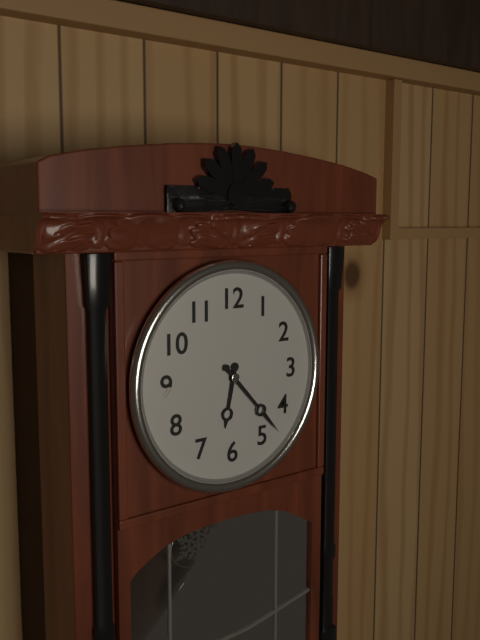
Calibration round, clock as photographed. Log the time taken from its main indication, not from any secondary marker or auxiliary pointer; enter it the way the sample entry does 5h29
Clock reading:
6h23
